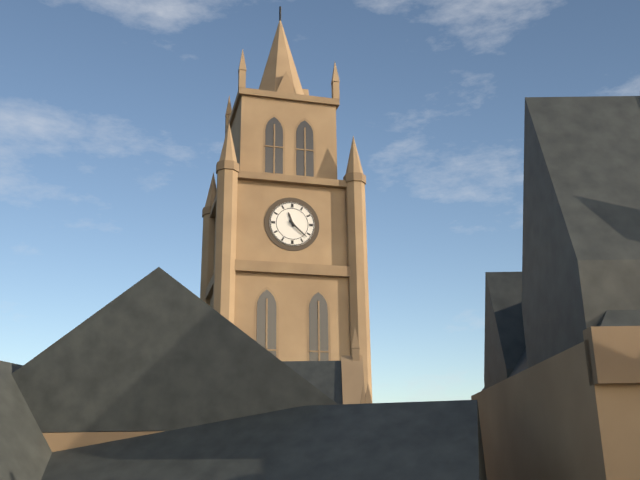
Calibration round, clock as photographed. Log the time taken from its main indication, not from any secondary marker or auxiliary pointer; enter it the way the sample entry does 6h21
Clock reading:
11h22
